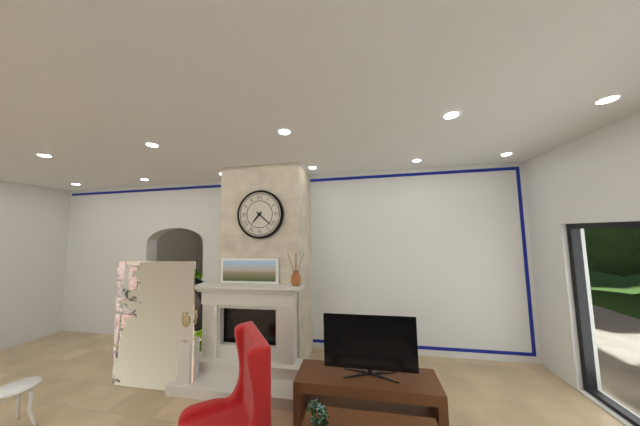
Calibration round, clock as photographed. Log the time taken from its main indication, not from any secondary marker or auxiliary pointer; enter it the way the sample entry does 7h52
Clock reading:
7h22
